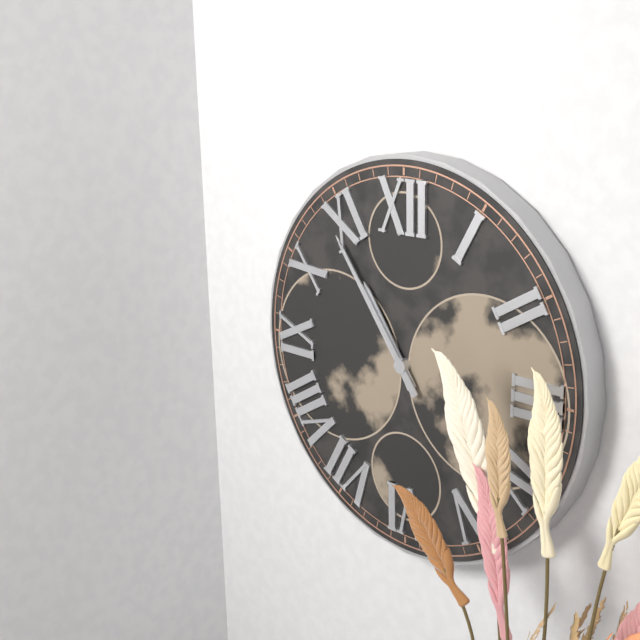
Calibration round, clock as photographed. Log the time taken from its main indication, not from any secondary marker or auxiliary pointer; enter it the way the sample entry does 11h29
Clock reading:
10h54
